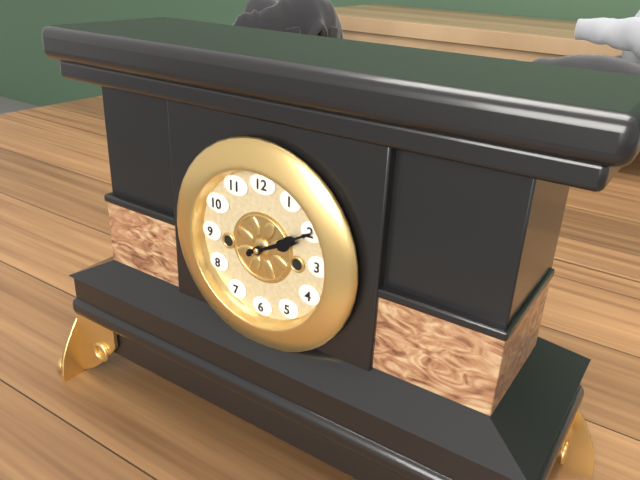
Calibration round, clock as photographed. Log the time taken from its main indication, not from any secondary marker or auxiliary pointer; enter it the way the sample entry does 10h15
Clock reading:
2h10
